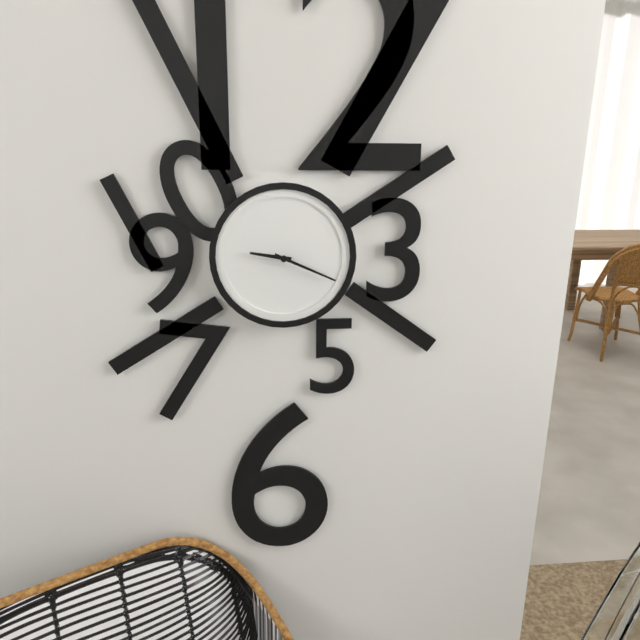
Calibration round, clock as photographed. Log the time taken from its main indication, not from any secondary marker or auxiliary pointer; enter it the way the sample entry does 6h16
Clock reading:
9h19
